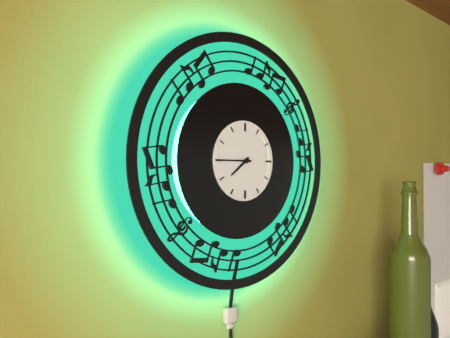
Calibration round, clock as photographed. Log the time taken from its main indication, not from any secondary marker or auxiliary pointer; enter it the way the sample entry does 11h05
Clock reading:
7h45
